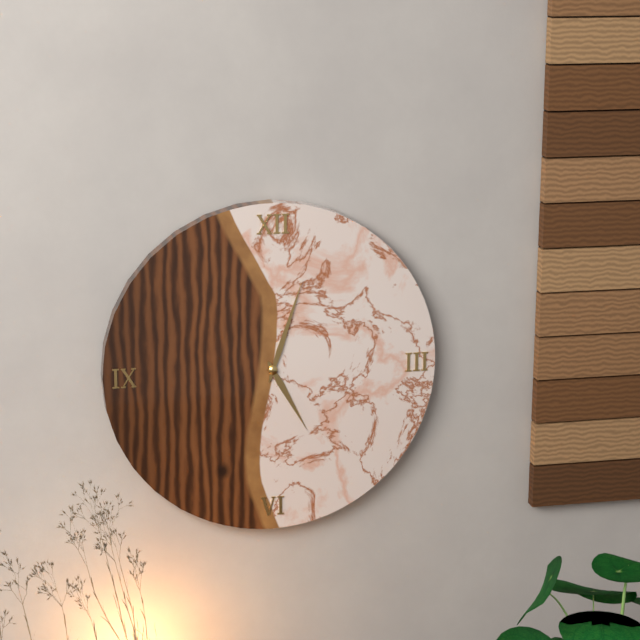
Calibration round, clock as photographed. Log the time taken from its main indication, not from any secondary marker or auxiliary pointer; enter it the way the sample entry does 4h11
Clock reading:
5h03
